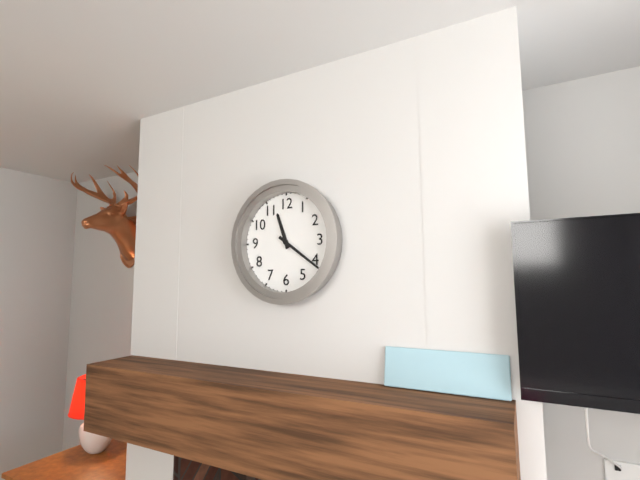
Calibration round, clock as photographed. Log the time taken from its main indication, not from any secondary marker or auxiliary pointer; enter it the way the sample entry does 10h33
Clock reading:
11h21
